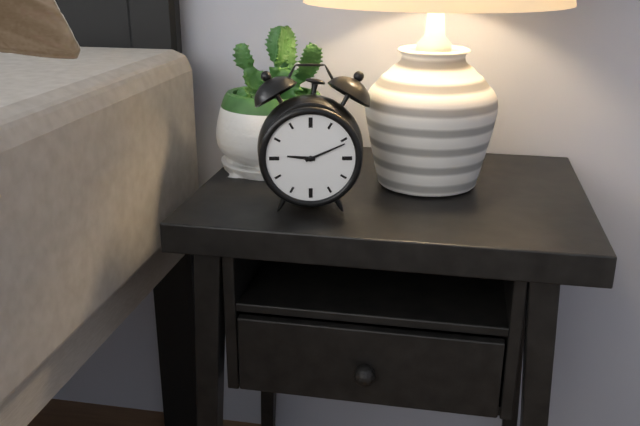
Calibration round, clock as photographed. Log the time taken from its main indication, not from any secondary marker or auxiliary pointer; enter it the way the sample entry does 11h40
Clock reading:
9h11
